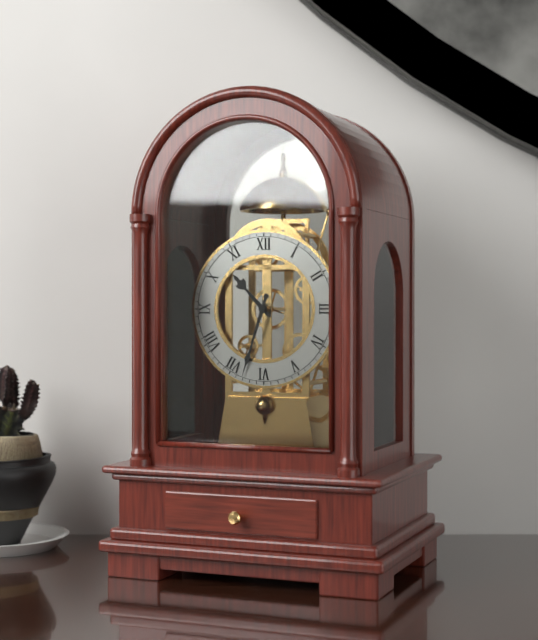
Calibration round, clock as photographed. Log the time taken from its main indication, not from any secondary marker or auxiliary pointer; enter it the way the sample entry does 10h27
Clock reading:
10h33
